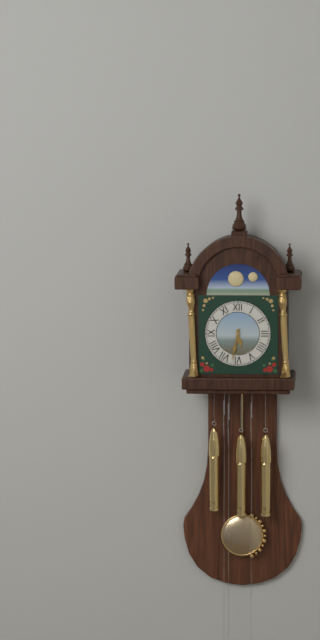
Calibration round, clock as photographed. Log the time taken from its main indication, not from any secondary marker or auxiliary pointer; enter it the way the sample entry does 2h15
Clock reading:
5h32
